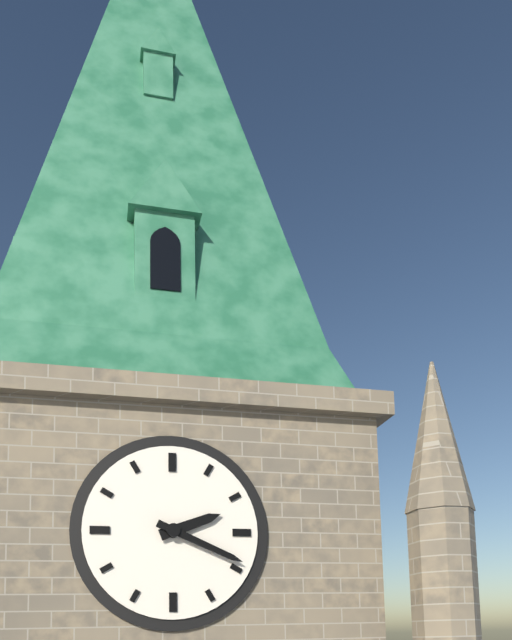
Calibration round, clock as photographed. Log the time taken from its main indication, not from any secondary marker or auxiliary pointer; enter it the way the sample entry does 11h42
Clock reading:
2h19
